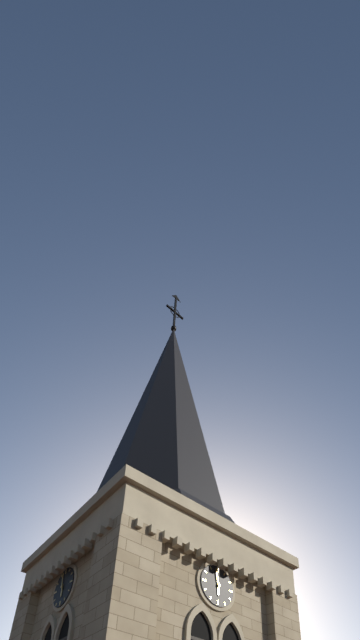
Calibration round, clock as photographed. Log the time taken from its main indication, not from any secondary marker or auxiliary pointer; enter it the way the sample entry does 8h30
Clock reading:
5h58
